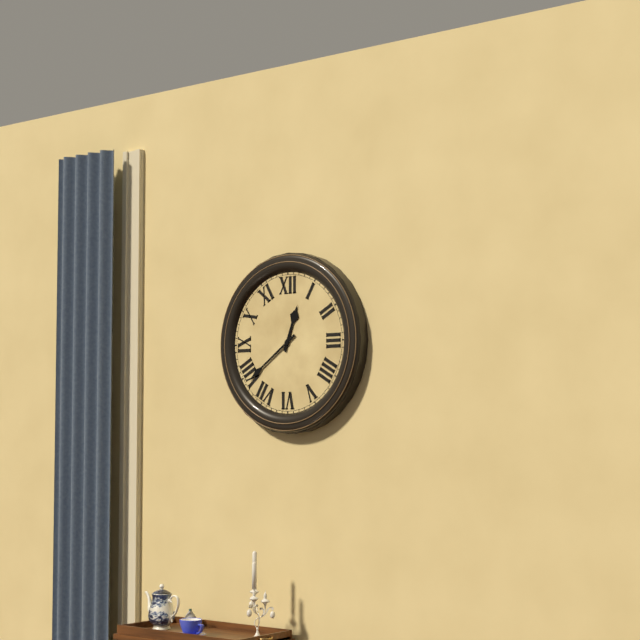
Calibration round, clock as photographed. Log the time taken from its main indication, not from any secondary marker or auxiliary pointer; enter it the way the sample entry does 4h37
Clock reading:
12h39
